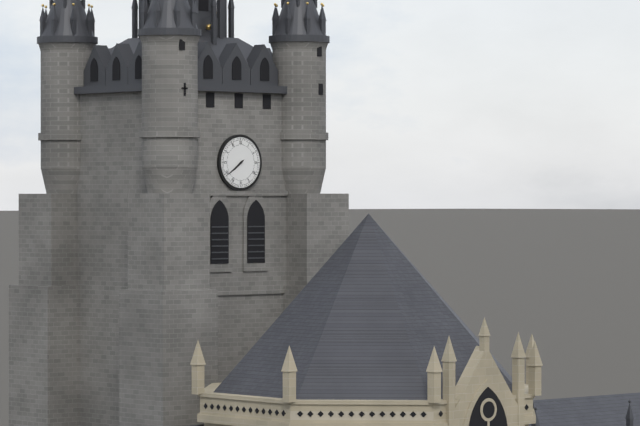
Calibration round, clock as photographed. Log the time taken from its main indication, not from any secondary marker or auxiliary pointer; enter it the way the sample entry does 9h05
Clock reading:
7h39
